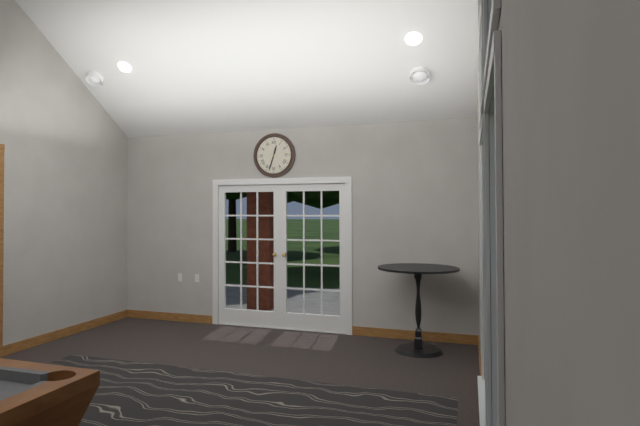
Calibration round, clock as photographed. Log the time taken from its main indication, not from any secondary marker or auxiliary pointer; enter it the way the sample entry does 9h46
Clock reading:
12h33
